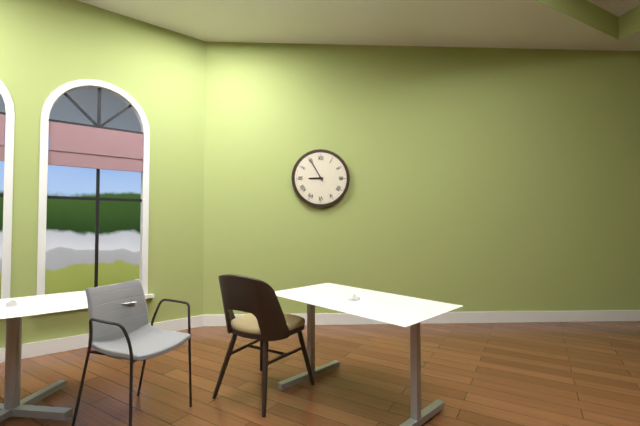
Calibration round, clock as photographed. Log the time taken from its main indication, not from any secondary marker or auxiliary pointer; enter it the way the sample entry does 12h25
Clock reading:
8h55
